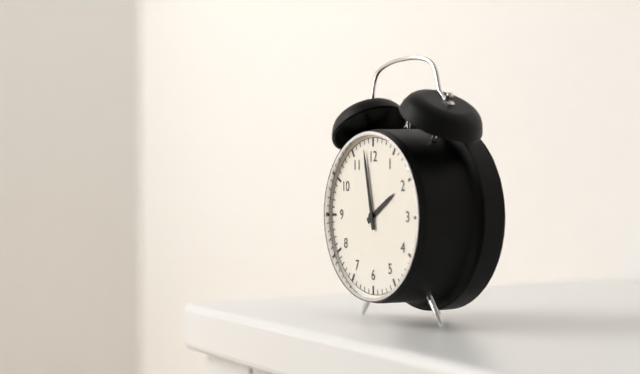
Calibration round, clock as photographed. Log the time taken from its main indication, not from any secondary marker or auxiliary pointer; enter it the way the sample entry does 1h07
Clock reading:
1h58
